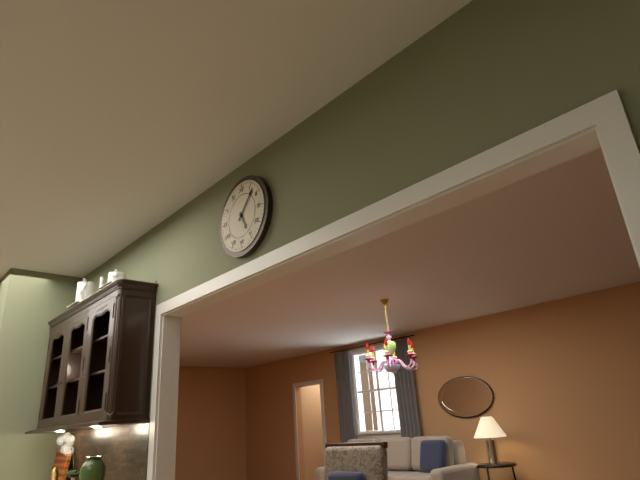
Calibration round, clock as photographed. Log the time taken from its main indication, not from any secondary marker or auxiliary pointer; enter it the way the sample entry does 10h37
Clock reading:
5h07
